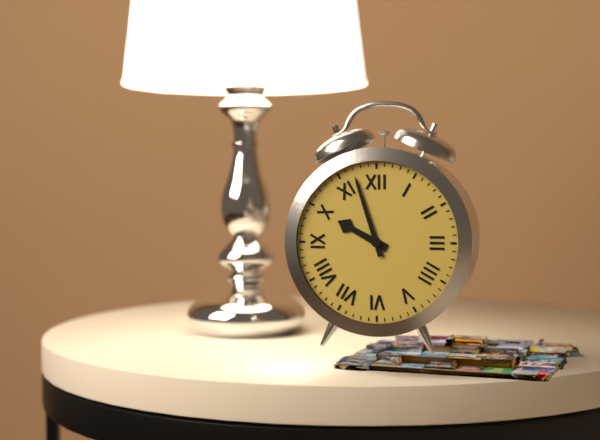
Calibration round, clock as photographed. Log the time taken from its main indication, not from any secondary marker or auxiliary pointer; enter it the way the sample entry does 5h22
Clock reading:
9h57
